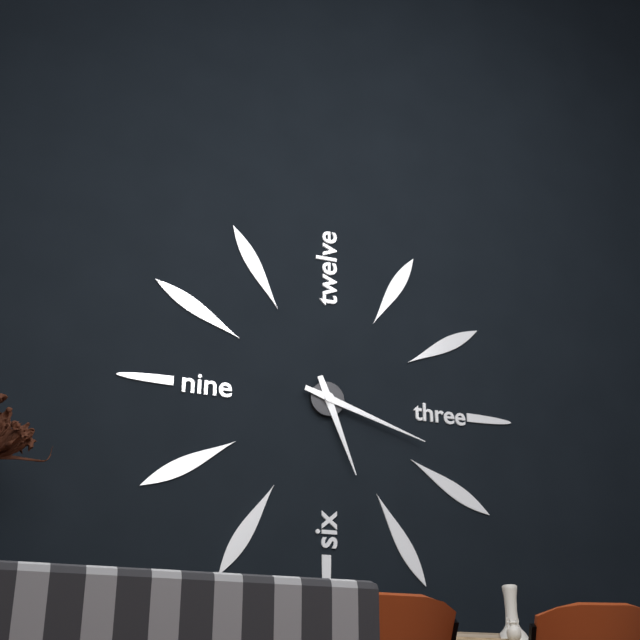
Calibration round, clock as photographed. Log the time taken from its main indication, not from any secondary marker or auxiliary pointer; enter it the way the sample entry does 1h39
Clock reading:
5h18
